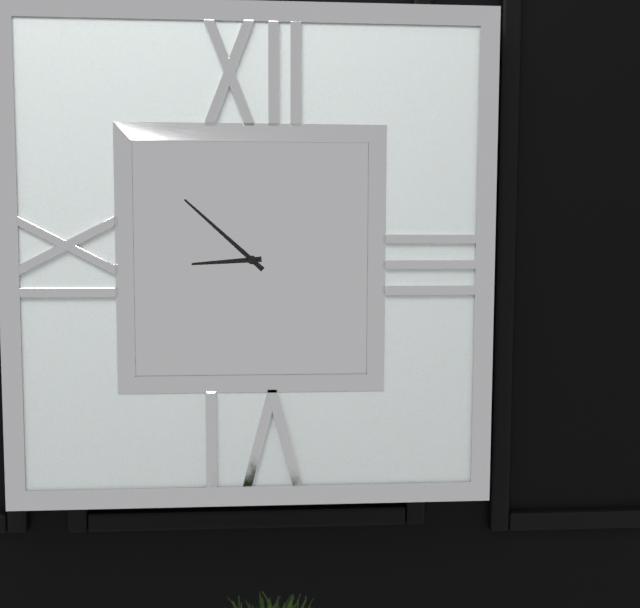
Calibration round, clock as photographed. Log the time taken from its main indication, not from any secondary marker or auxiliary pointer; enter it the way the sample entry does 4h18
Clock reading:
8h52
